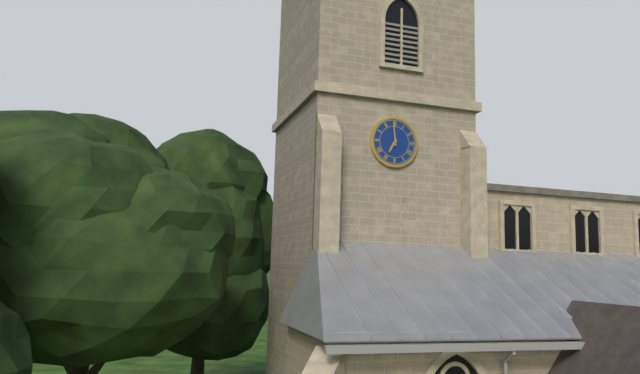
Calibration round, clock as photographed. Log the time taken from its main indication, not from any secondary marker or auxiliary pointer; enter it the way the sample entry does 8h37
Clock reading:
6h59
